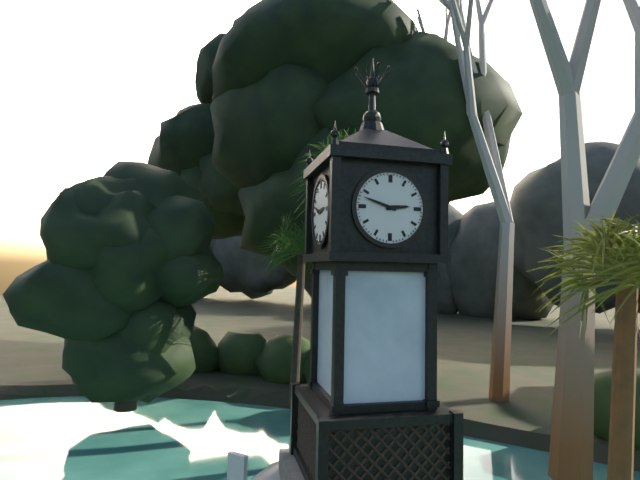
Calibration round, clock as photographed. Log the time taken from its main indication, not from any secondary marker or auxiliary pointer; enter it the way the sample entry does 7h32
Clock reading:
2h48
